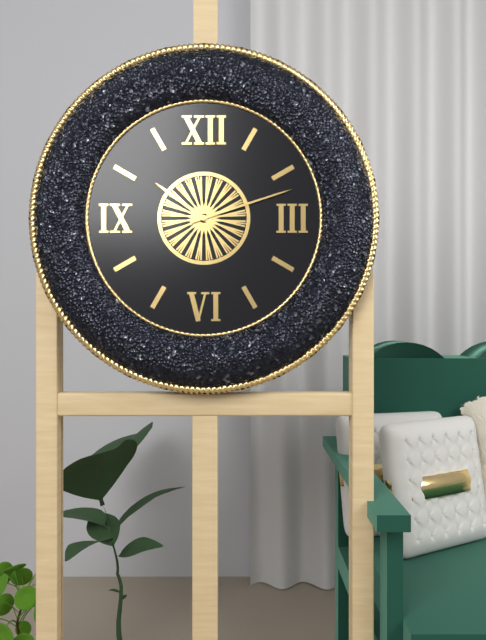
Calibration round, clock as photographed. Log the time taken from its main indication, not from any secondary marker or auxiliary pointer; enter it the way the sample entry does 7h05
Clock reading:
10h12
